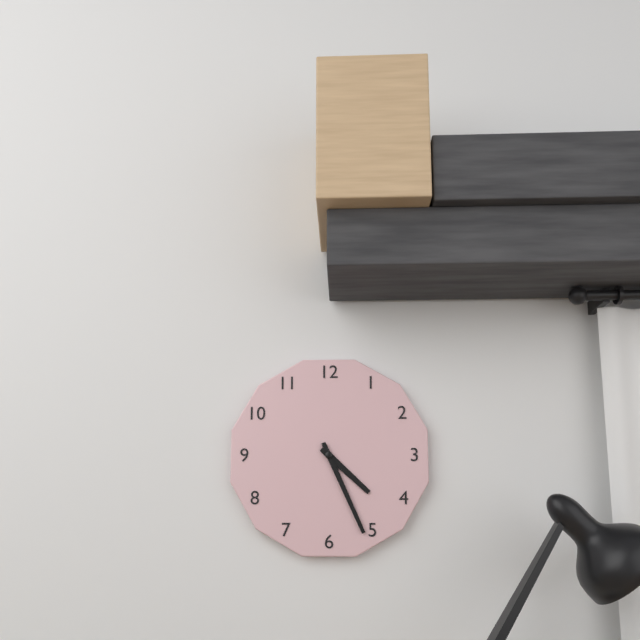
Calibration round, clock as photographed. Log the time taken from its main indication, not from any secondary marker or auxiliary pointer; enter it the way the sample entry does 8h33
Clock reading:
4h26
